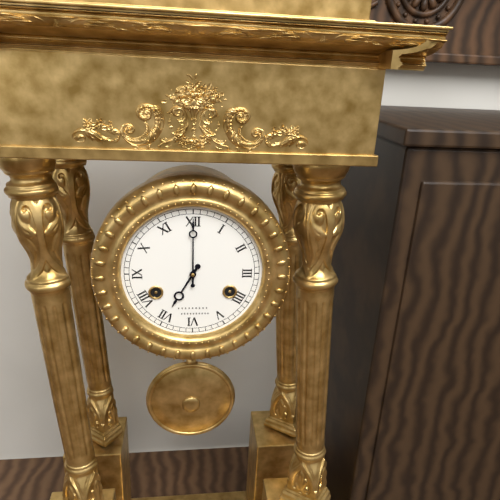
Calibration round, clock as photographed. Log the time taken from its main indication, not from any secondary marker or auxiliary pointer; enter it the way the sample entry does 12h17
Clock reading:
7h00
